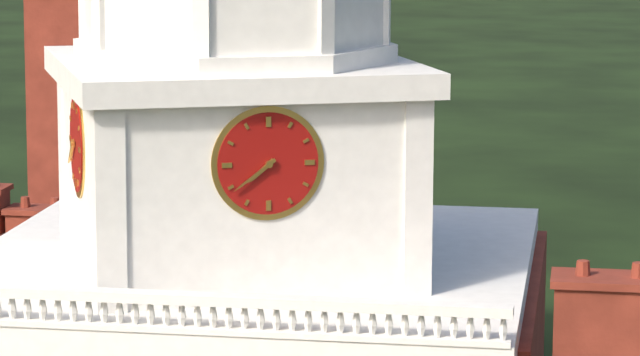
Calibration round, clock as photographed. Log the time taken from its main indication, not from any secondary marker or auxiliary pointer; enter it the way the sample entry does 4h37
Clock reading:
7h39
